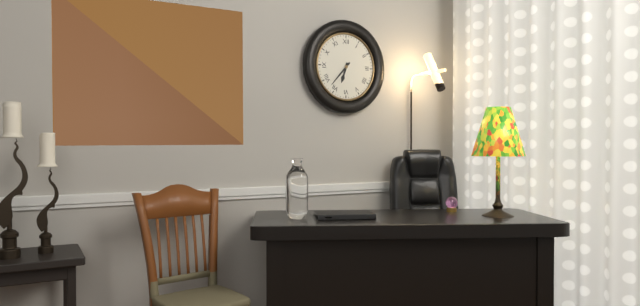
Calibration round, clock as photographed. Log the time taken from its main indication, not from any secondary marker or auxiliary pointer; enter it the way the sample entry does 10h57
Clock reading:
6h37
